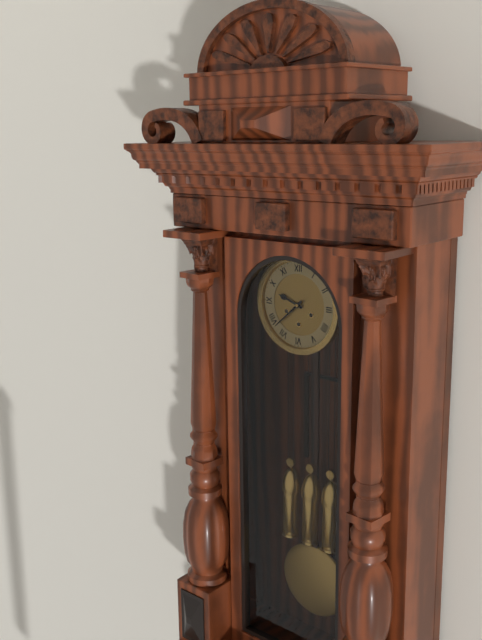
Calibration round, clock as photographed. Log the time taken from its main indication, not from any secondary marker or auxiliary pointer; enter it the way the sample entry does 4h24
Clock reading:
9h38
